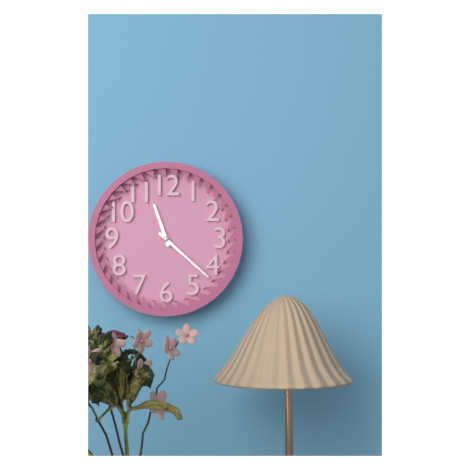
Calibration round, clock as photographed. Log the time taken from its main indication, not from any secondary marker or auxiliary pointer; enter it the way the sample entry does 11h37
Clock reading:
11h22
